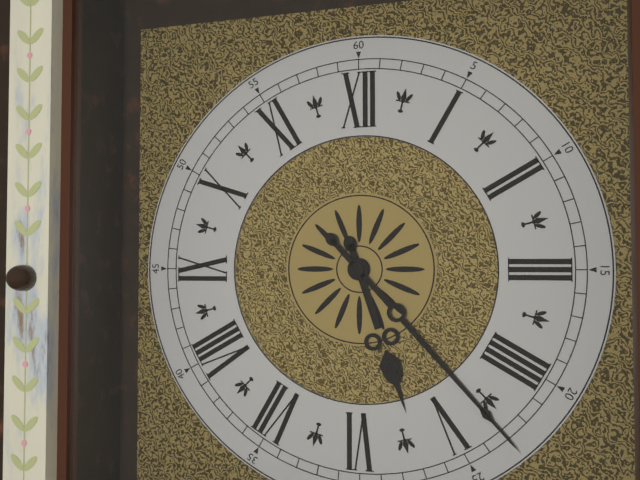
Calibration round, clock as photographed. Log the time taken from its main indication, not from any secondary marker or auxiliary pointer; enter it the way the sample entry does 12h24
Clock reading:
5h23
